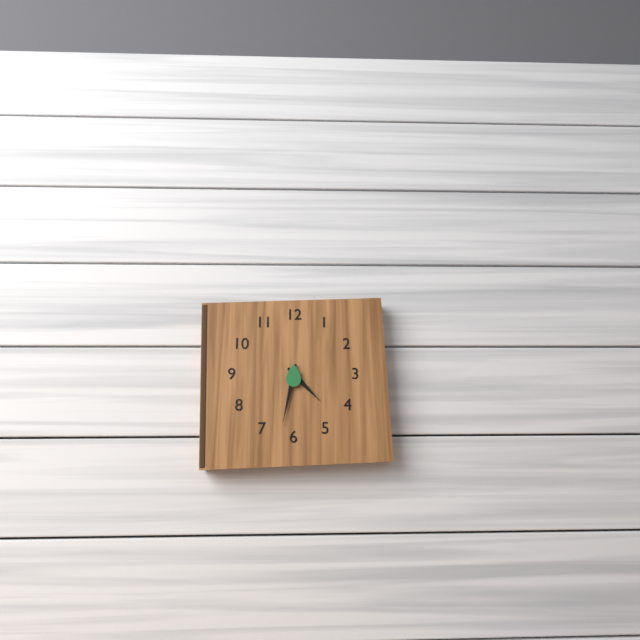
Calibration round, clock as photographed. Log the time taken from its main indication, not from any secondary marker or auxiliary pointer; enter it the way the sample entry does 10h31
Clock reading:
4h32
